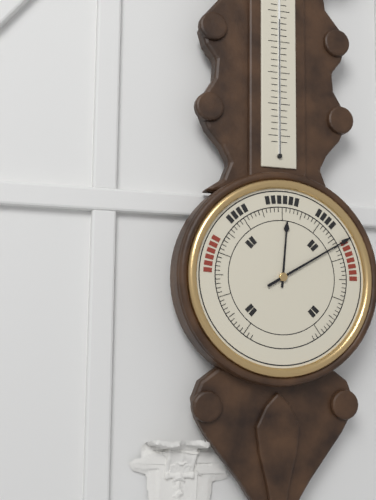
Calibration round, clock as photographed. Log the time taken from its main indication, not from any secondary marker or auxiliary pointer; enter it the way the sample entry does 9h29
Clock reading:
12h10
